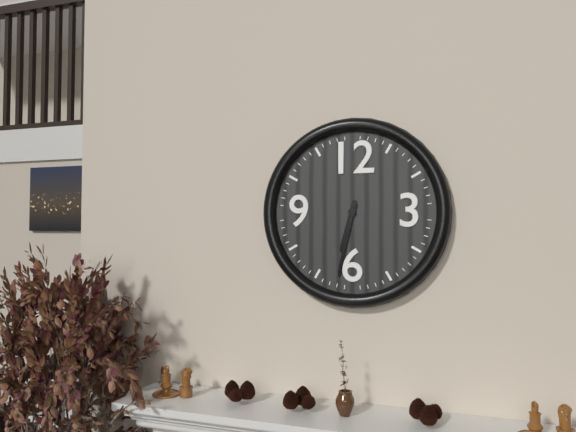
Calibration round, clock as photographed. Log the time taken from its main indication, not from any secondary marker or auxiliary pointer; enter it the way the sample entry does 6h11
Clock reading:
6h32
